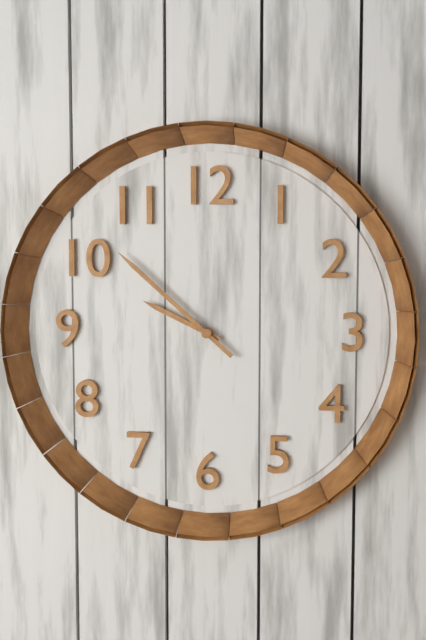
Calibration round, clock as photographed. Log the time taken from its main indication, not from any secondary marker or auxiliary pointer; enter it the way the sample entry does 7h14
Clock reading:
9h52
